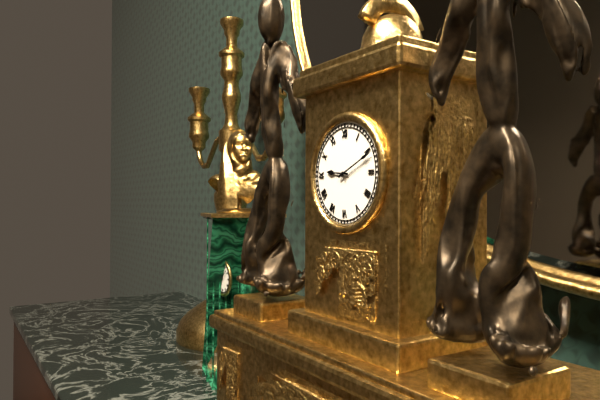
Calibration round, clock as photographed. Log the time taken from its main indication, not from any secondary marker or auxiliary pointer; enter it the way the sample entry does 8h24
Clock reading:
9h11
